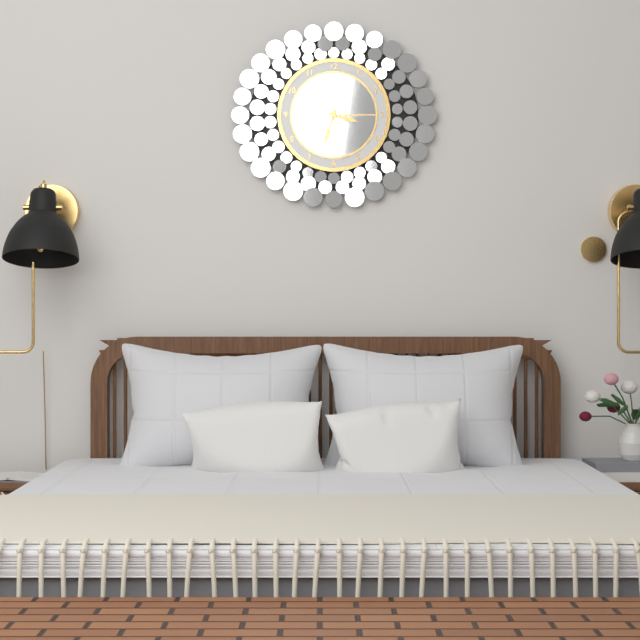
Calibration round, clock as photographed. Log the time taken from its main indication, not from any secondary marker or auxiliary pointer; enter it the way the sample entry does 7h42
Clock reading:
3h33
